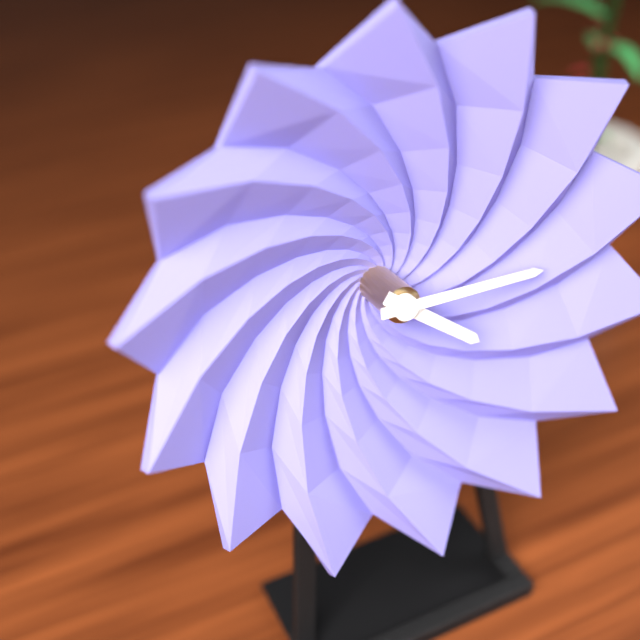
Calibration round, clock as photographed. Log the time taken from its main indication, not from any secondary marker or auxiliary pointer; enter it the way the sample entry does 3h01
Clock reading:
4h15
